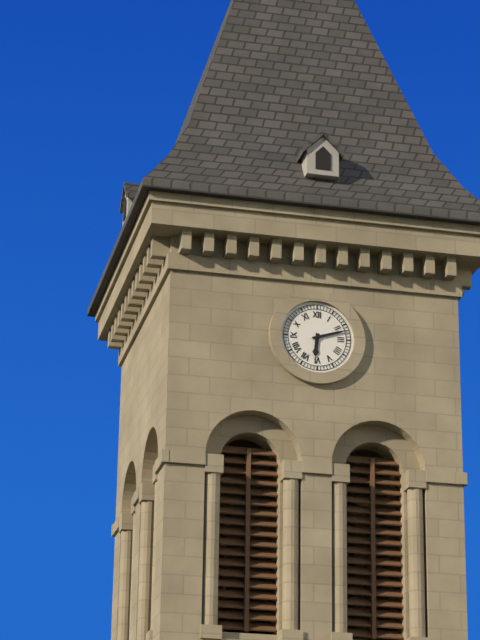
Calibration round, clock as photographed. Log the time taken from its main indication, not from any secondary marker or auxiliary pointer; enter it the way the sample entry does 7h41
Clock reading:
6h12
